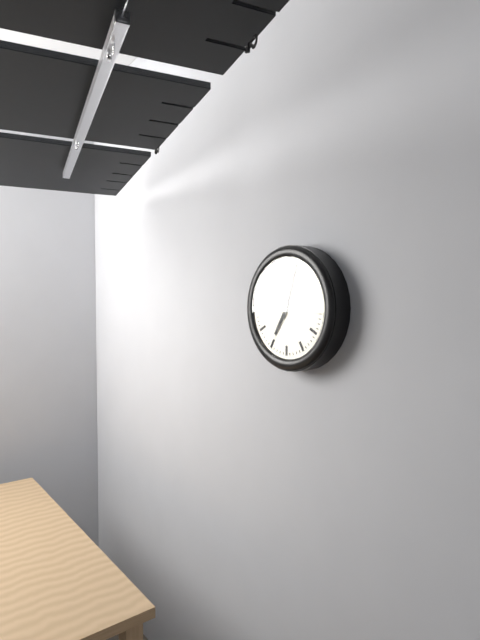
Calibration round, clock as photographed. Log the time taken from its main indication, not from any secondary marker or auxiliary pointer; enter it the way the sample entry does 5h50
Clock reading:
7h03
